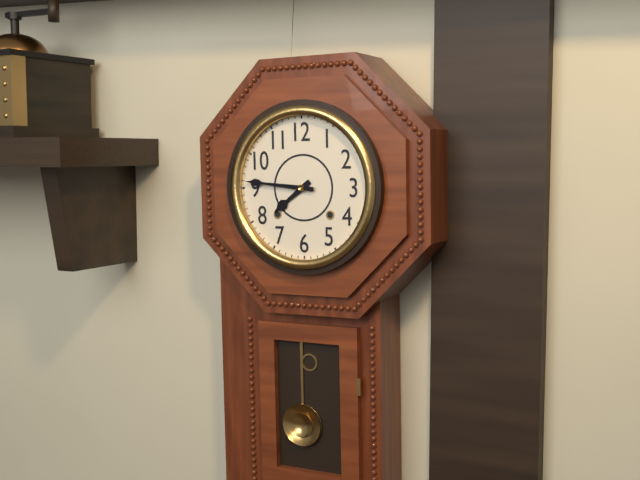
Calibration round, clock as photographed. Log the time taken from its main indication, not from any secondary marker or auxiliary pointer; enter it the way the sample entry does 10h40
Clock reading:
7h46
